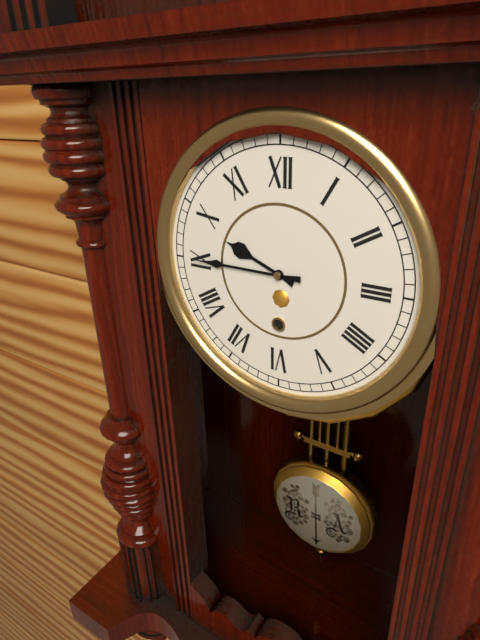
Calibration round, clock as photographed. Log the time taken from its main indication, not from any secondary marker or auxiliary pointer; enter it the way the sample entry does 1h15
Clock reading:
9h45
